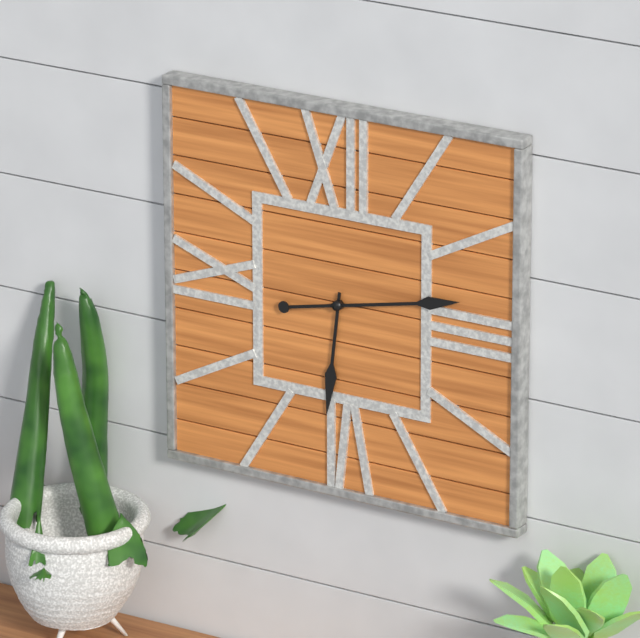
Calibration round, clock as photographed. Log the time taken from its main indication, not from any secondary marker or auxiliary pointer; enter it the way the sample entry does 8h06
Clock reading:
6h13
